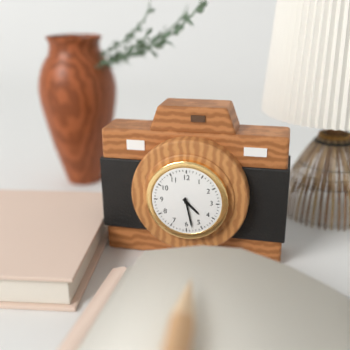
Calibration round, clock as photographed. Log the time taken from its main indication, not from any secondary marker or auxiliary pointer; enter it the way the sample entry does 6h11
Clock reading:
4h28
